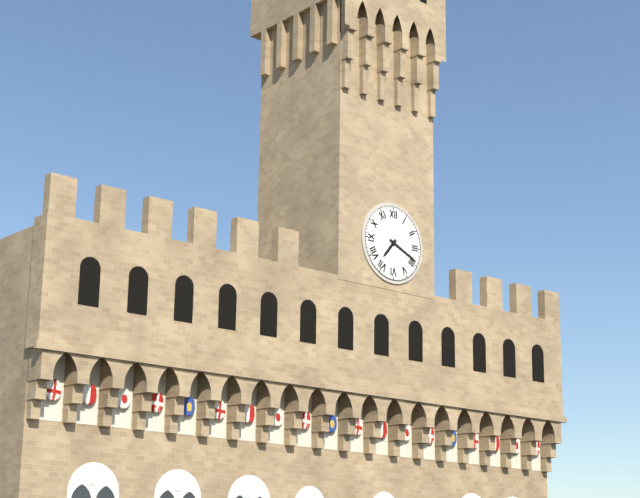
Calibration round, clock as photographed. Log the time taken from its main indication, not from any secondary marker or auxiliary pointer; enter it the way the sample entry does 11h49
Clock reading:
7h19
